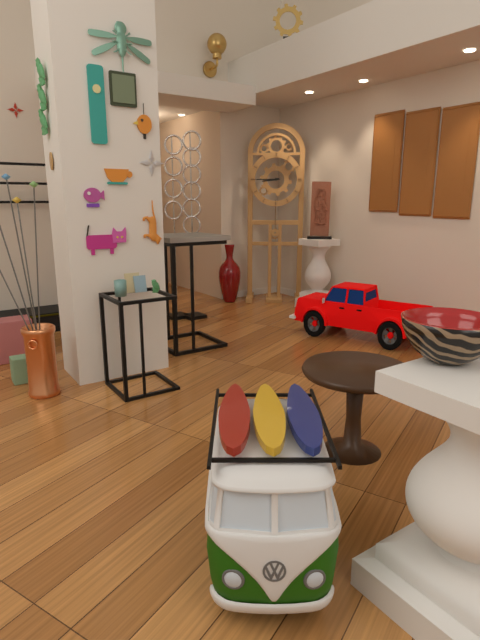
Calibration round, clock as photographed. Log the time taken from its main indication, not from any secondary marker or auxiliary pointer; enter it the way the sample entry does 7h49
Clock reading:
8h45
